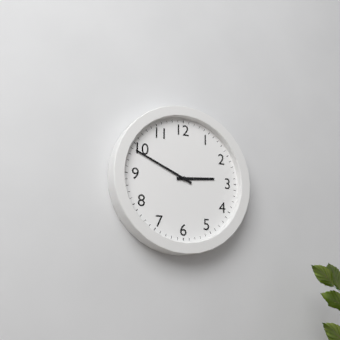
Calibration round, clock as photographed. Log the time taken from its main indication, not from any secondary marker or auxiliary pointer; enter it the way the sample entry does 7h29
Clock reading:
2h49
